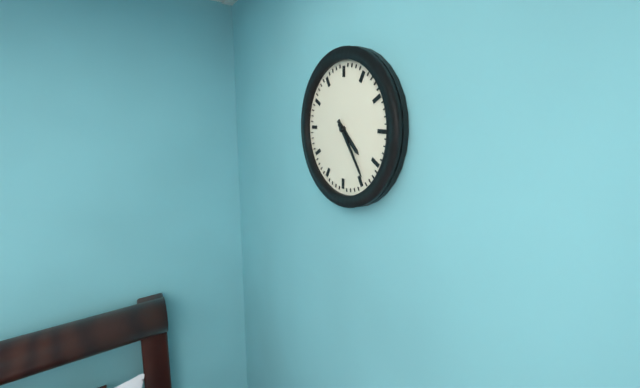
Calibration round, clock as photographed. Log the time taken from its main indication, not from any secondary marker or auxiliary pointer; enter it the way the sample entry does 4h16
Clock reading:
4h24
